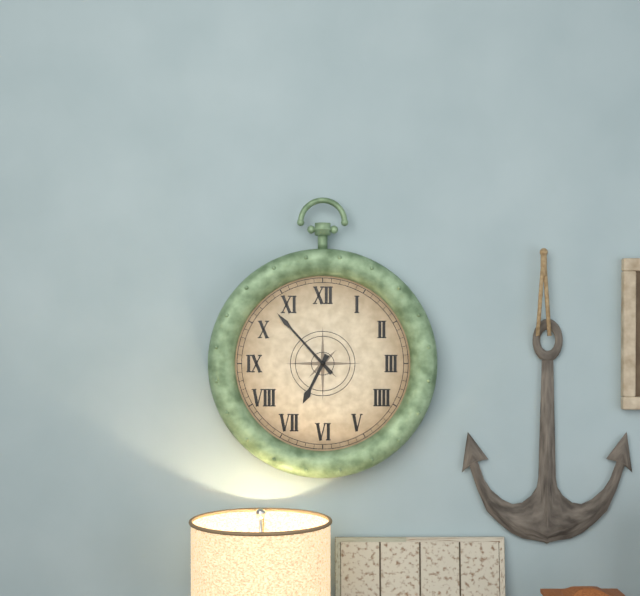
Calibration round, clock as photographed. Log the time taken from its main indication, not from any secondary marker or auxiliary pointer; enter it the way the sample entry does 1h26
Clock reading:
6h53
